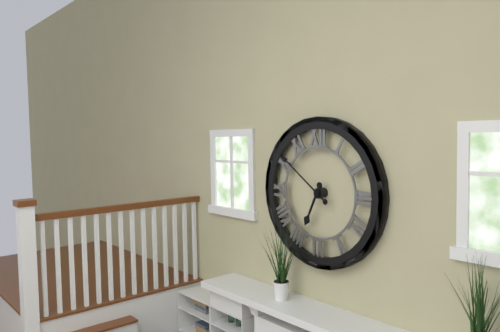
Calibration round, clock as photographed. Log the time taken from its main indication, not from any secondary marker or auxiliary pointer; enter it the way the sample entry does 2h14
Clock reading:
6h51
